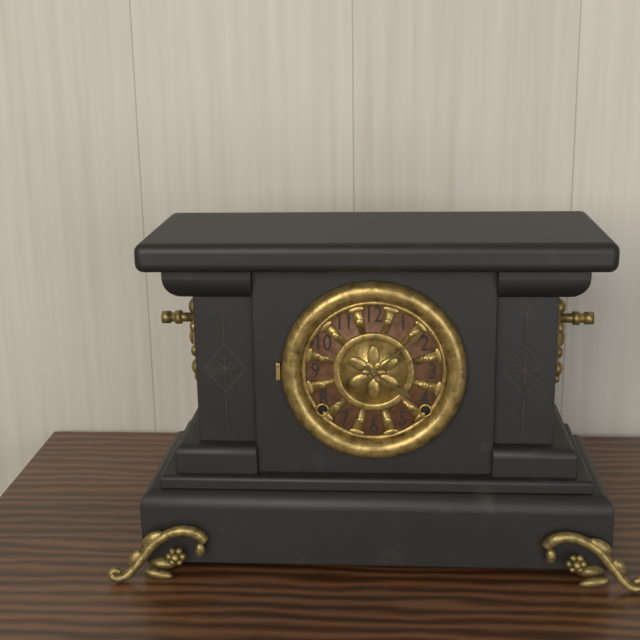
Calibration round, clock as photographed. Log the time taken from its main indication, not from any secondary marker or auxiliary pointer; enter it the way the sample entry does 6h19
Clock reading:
4h08
